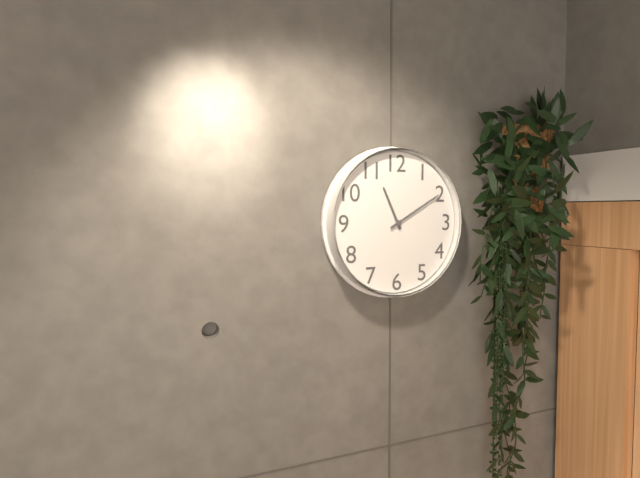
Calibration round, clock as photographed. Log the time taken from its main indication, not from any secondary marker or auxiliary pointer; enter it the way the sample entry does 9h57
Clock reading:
11h10
